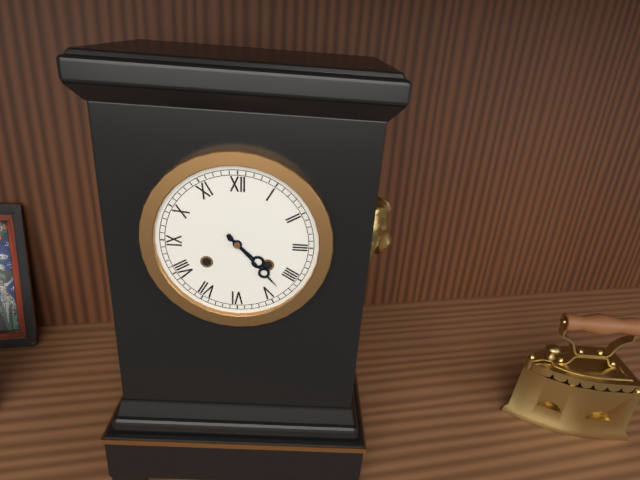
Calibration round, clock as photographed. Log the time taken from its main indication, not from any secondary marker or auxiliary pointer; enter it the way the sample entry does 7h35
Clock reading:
4h23
